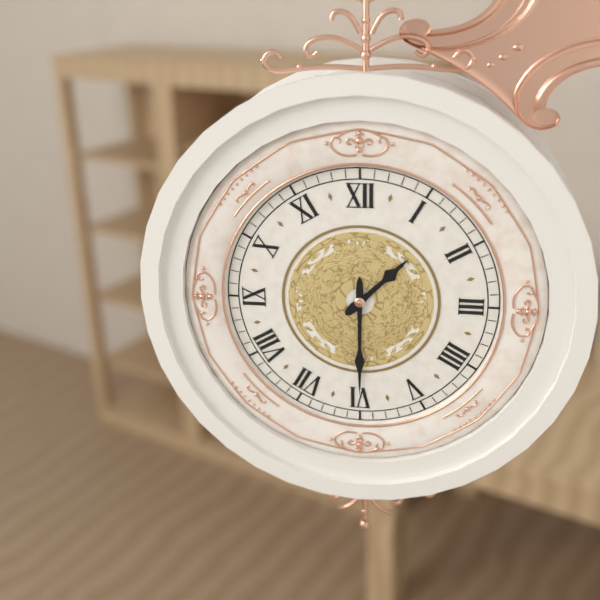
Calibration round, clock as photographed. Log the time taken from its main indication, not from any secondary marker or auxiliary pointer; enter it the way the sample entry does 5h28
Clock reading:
1h30
